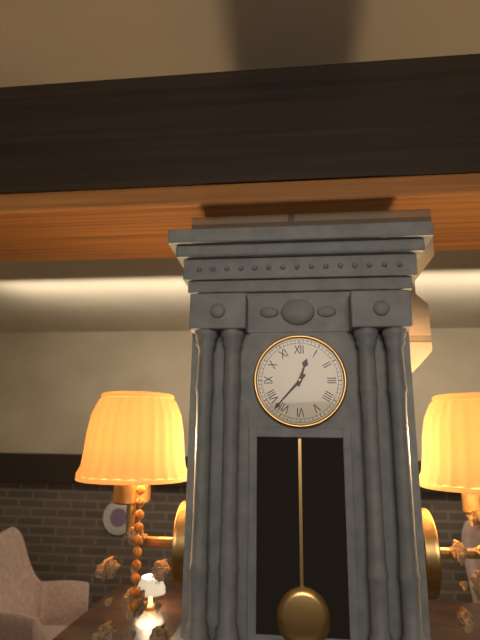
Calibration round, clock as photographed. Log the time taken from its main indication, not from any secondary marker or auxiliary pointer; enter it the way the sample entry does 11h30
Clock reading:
12h37
